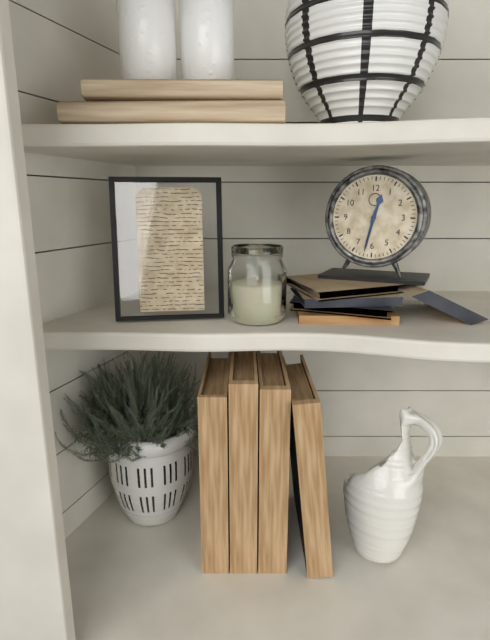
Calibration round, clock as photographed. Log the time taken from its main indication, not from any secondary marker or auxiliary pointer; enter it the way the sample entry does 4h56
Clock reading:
12h32
